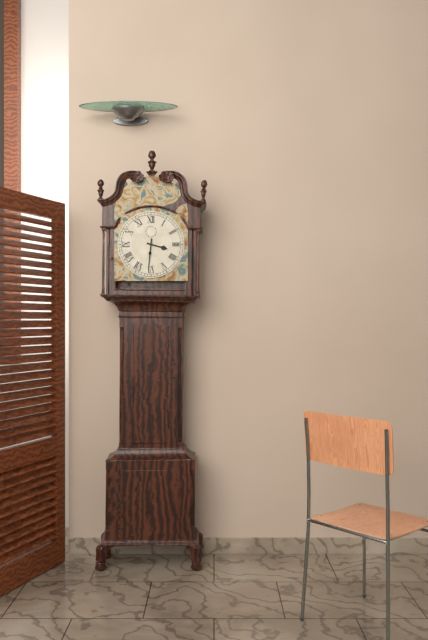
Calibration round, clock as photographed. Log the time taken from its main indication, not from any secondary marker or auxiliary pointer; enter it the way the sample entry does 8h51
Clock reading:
3h31
